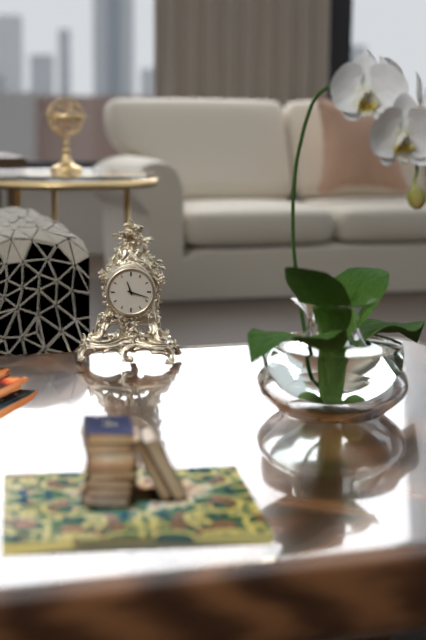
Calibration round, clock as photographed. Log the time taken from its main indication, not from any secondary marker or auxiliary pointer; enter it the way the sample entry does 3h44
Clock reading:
11h18
